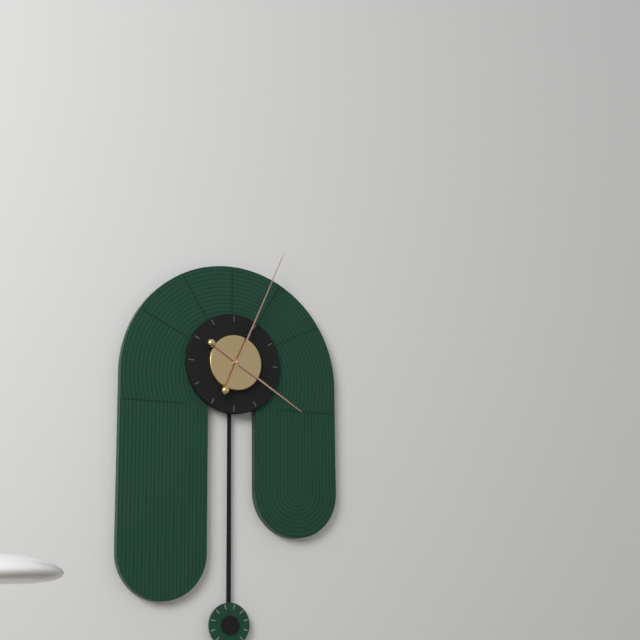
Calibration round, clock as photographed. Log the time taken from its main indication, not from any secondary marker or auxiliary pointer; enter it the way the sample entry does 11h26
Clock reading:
4h04
